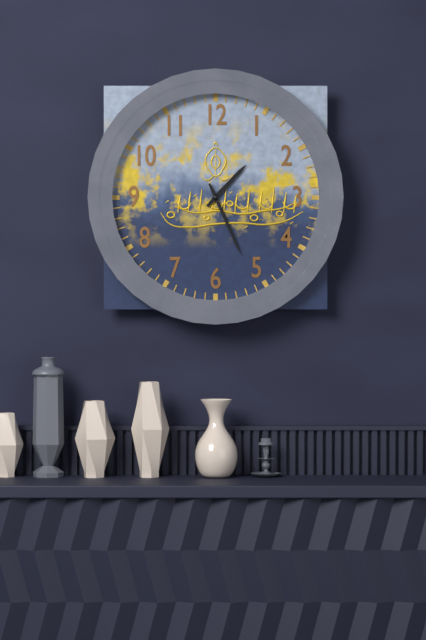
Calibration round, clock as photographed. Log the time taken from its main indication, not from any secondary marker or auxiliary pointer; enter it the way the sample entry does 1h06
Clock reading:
1h26
